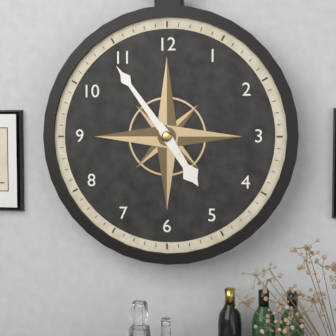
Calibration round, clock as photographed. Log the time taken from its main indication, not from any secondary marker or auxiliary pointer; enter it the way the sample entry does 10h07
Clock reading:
4h54
